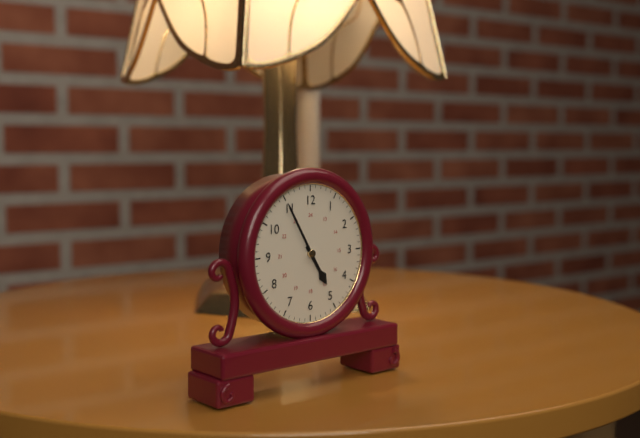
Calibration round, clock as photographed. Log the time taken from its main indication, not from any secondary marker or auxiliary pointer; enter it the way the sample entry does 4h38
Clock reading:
4h55
